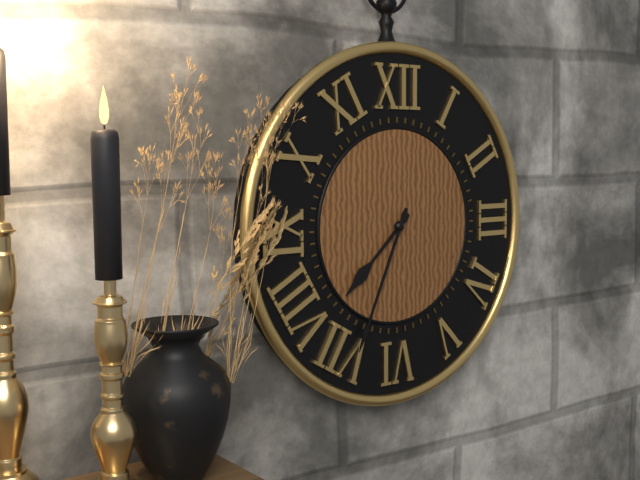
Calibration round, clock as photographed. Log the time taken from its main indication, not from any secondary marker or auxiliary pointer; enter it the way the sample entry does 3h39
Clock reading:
7h34
